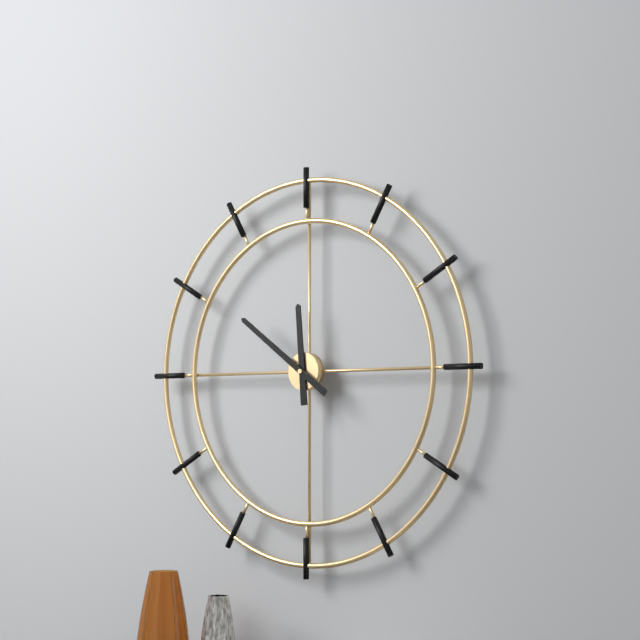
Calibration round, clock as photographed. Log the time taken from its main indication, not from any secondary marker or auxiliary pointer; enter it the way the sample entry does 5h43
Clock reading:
11h51
